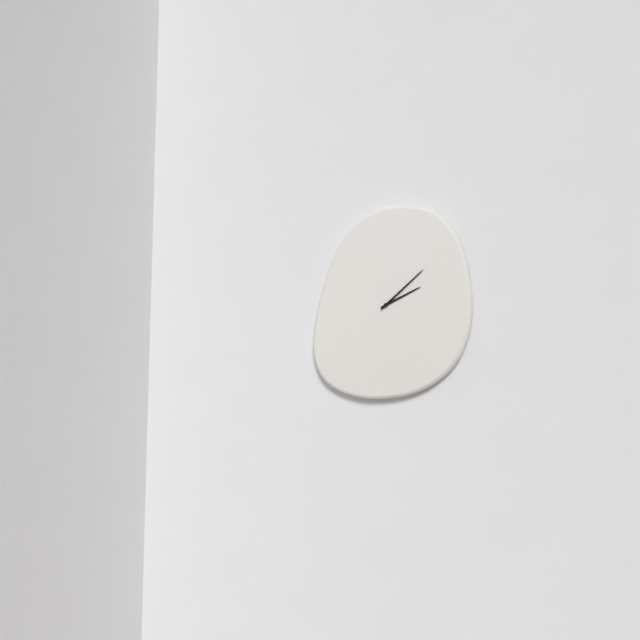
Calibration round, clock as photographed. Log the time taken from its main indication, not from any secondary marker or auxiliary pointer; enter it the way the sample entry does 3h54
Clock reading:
2h08
